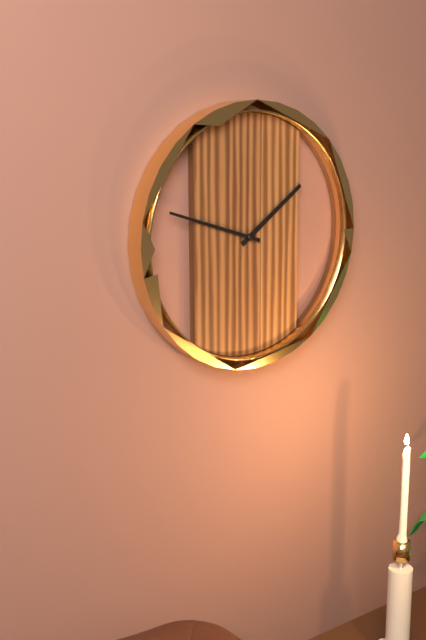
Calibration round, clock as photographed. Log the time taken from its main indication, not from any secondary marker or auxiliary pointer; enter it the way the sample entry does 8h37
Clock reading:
1h48
